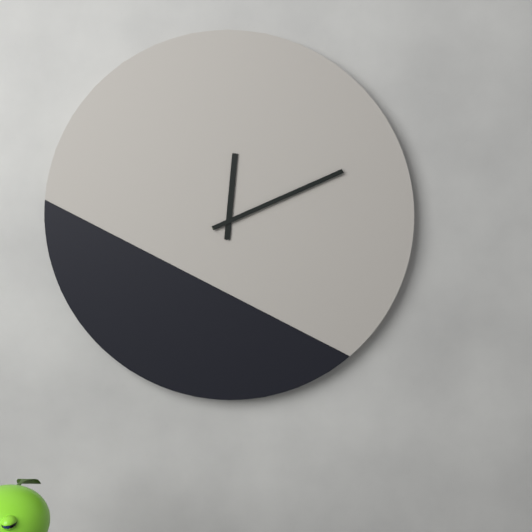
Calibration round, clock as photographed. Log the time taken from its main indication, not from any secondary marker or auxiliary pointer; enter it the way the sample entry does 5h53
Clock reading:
12h11
